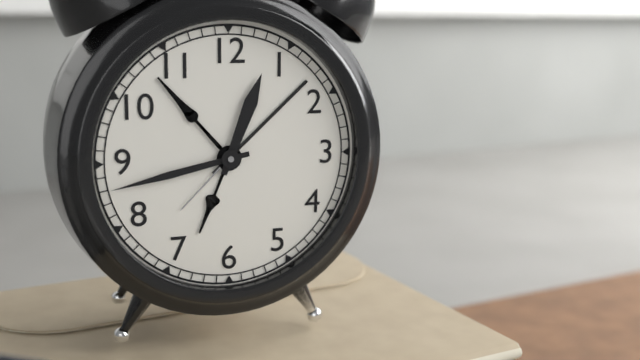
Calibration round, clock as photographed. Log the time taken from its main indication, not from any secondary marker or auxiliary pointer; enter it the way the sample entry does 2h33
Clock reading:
12h43
